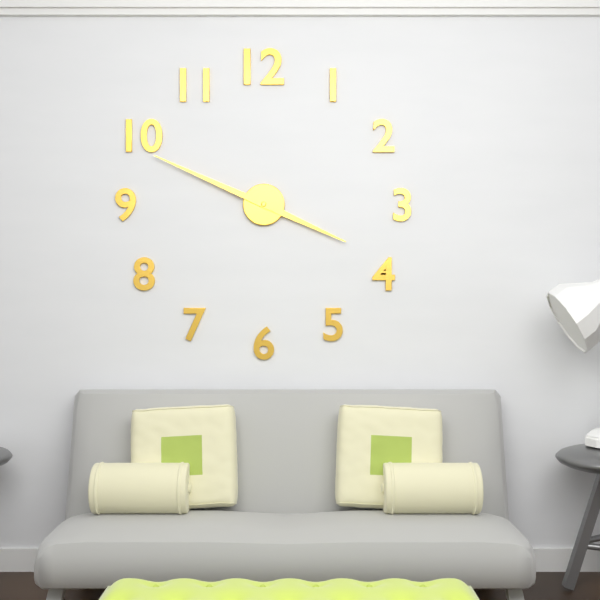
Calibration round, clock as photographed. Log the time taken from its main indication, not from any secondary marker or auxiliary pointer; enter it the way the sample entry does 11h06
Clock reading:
3h49
